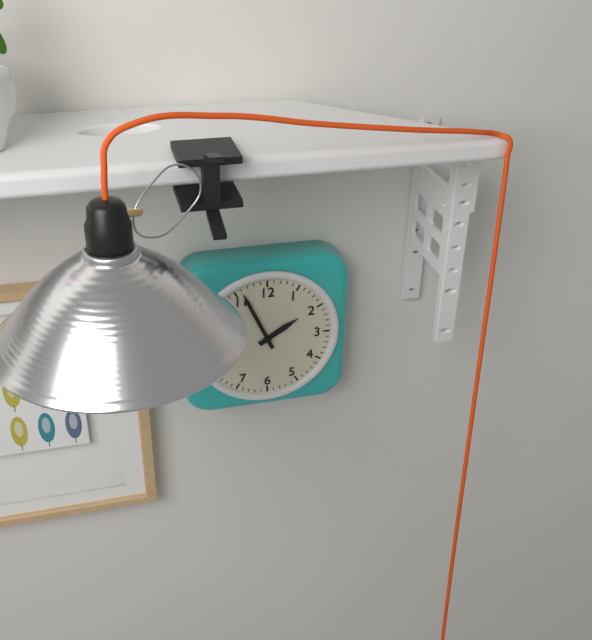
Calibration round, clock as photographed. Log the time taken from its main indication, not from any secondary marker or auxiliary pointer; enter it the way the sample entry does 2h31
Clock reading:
1h56
